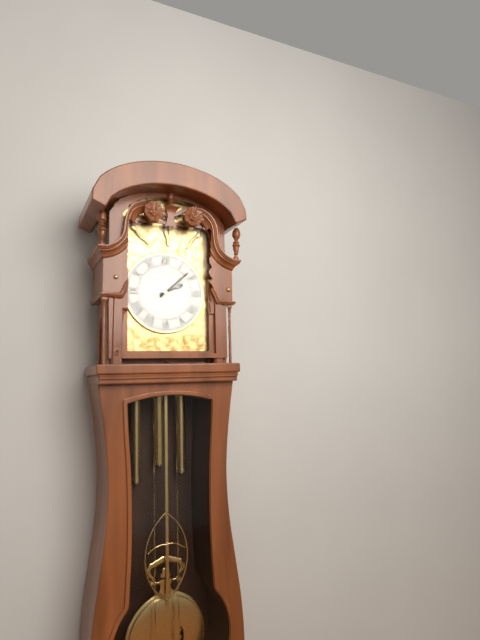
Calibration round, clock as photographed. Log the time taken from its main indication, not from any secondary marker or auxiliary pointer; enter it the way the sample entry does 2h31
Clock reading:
2h08
